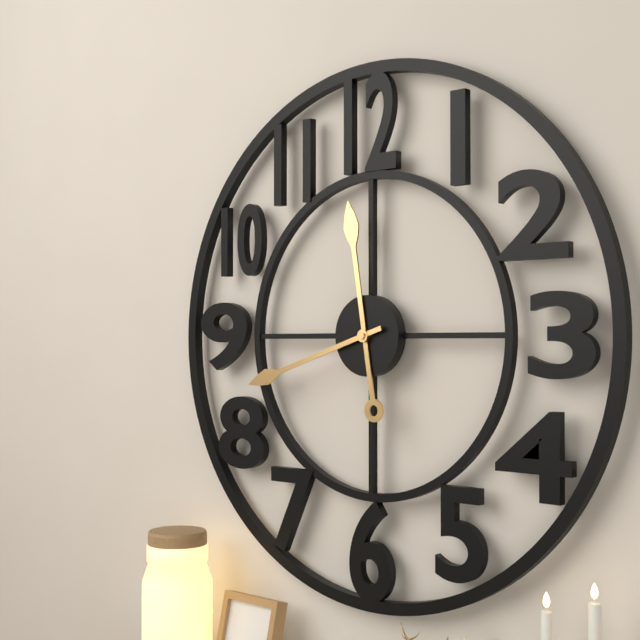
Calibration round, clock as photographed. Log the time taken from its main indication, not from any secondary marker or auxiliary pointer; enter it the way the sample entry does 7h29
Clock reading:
11h42
